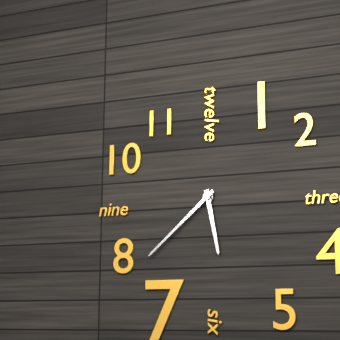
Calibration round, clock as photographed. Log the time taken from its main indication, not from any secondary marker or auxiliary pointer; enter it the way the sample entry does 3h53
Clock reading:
5h38
